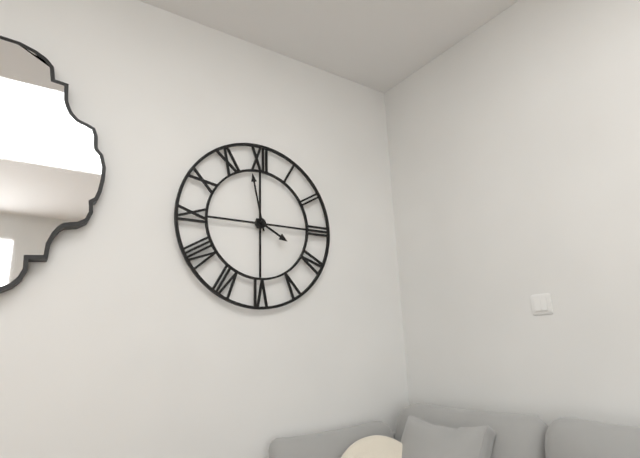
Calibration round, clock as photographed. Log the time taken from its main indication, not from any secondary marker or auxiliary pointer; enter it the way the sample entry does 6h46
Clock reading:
3h58
